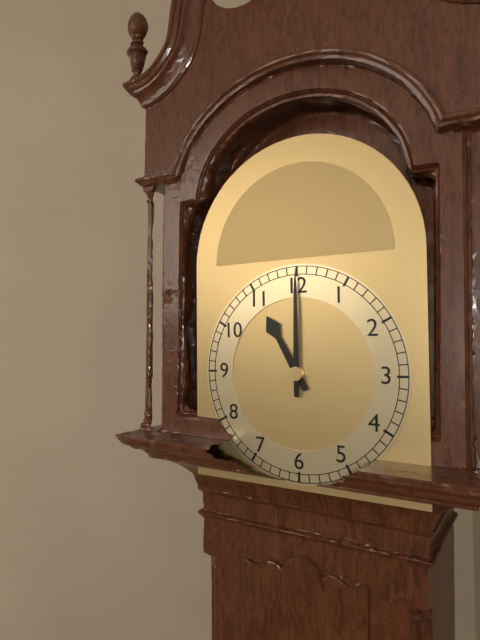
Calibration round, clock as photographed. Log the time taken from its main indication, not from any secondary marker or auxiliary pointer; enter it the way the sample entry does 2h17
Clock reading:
11h00
